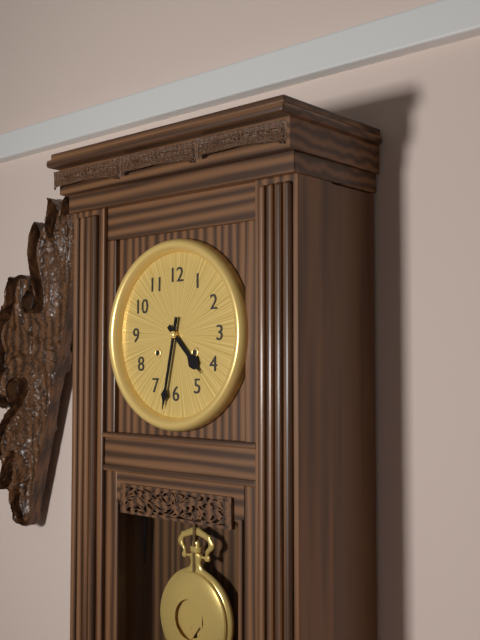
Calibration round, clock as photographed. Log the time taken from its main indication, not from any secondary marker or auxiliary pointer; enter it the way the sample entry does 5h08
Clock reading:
4h32
